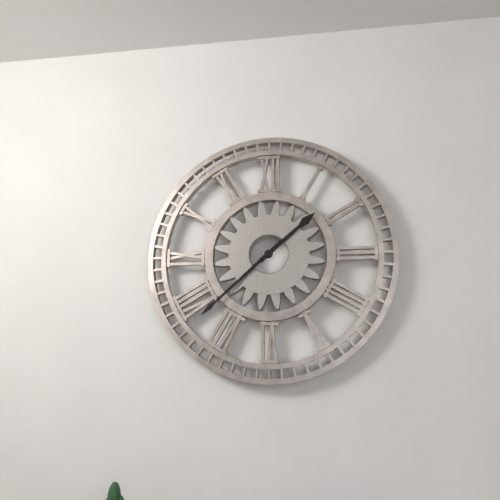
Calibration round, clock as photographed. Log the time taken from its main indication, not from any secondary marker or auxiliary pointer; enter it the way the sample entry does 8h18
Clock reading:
1h38
